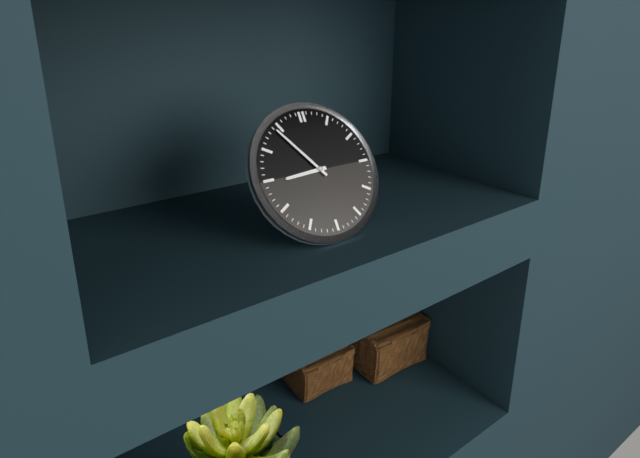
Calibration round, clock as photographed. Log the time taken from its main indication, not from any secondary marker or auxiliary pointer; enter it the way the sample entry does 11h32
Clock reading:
8h54
